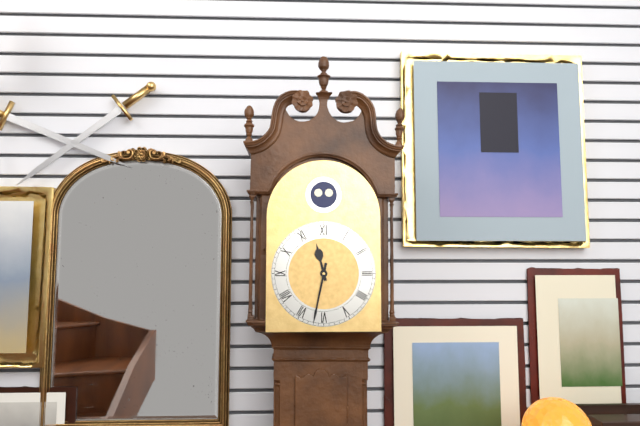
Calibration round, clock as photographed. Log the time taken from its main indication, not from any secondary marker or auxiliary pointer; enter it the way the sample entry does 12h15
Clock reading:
11h32
